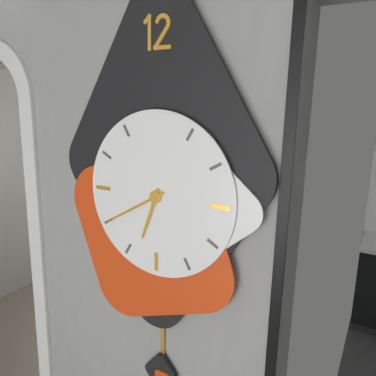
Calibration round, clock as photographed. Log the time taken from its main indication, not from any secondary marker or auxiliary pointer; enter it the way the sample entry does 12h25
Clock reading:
6h40
